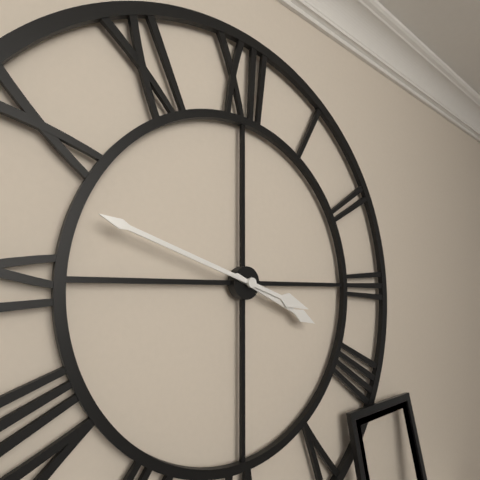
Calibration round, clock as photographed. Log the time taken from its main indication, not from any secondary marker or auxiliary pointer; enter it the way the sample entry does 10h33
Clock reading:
3h48
